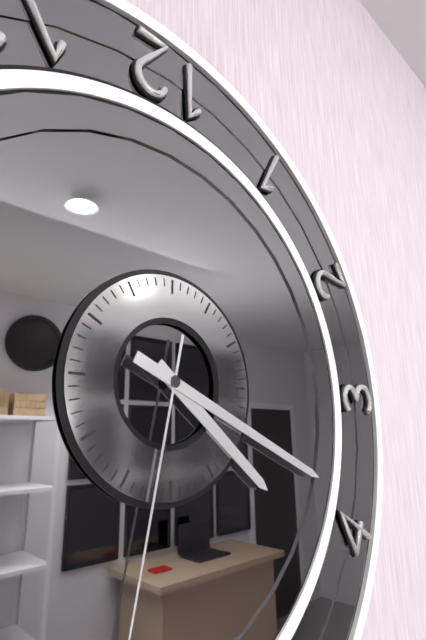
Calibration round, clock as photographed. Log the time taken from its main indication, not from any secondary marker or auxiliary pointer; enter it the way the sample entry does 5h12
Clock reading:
4h19
